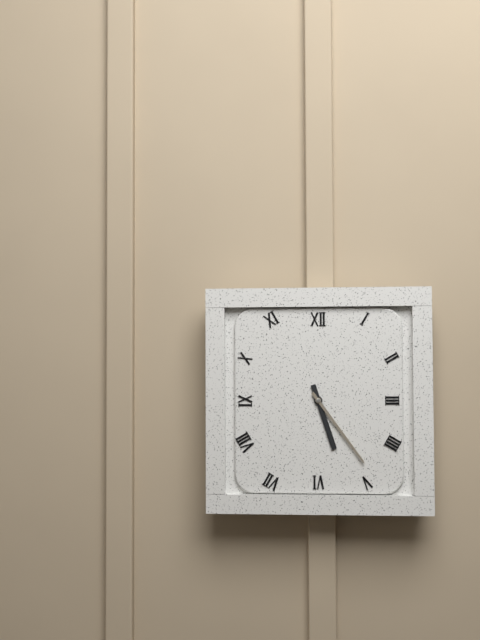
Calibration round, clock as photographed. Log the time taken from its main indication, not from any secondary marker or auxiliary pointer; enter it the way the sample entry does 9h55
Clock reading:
5h24
